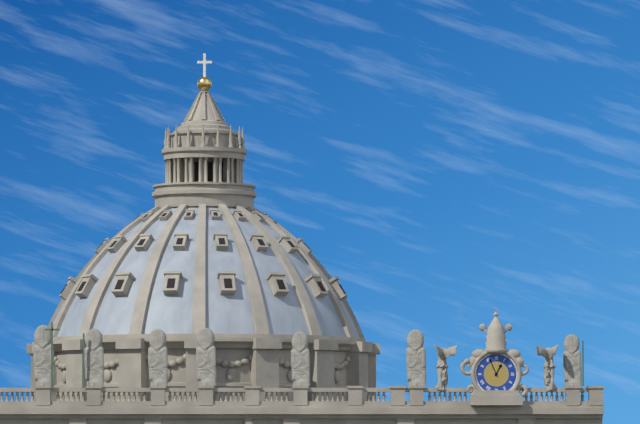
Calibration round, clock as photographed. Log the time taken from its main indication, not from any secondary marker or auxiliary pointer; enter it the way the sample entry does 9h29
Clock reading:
12h56
